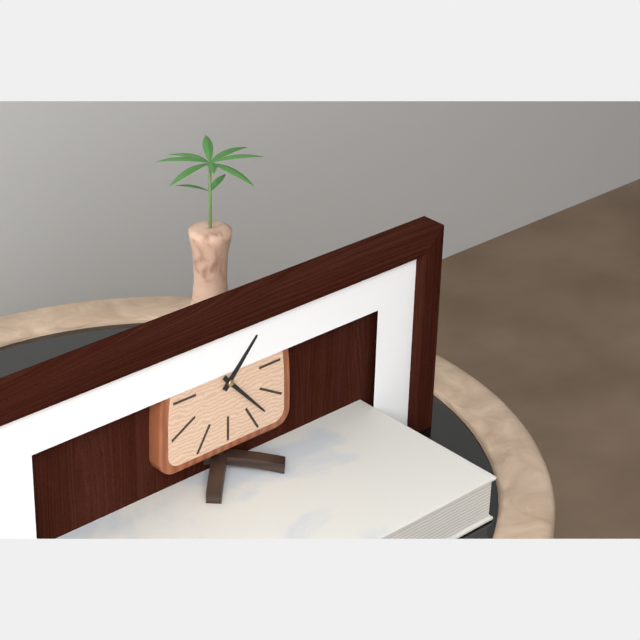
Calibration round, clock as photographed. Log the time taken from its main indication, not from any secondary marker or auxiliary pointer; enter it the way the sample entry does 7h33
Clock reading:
1h23
